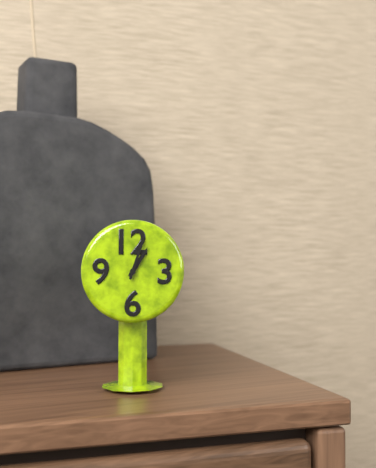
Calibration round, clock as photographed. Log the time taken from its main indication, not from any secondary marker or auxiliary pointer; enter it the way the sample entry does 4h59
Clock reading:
1h03
